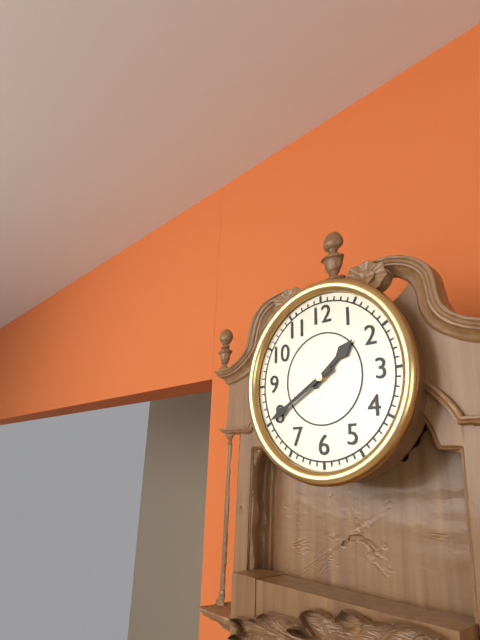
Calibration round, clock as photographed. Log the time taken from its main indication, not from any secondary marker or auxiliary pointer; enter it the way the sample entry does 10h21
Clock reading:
1h40
